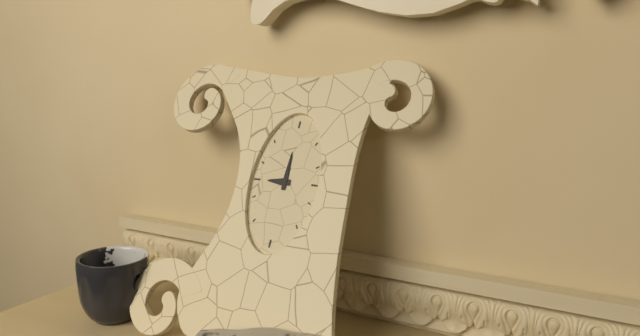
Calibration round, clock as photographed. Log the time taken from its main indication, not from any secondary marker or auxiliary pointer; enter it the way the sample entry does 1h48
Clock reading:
9h00
